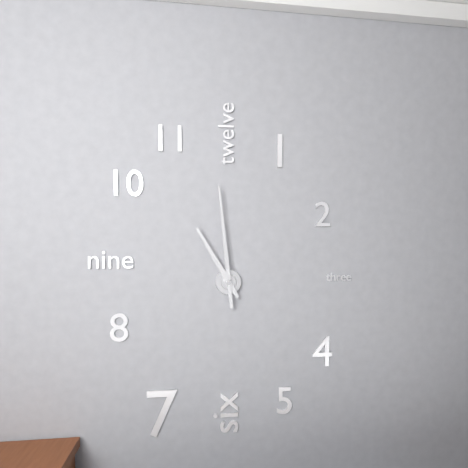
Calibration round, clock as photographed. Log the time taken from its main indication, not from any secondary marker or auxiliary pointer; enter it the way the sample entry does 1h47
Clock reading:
10h59
